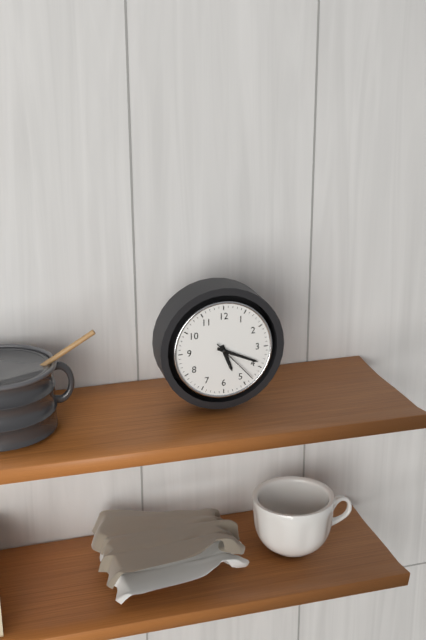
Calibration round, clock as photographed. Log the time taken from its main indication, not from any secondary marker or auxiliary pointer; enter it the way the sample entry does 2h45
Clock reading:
5h19
